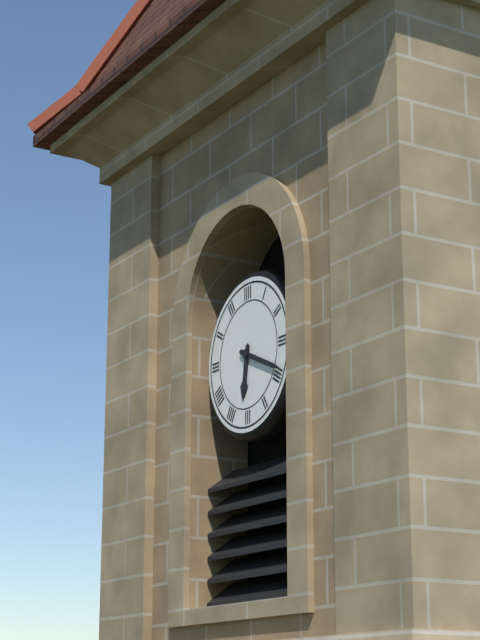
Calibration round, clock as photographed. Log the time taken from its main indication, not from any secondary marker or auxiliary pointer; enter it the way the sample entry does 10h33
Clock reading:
6h19
